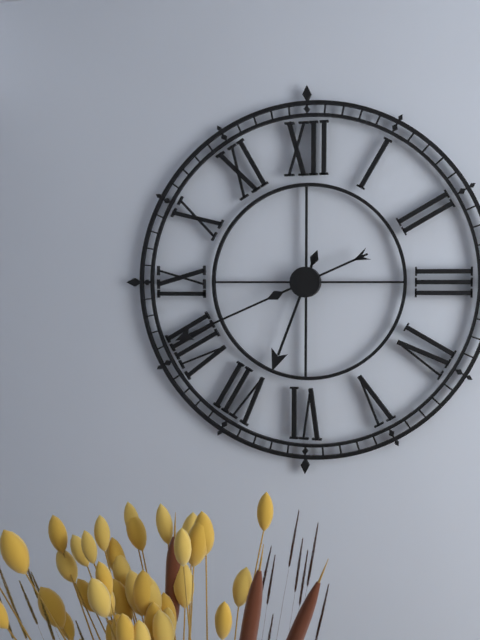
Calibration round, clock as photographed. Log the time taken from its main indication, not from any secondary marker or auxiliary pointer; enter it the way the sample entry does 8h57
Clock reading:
6h41
